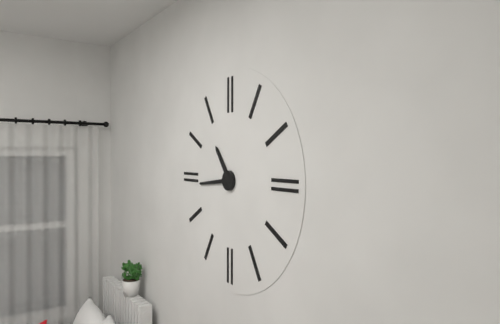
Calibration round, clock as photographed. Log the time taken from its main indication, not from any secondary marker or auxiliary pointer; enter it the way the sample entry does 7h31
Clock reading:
10h44
